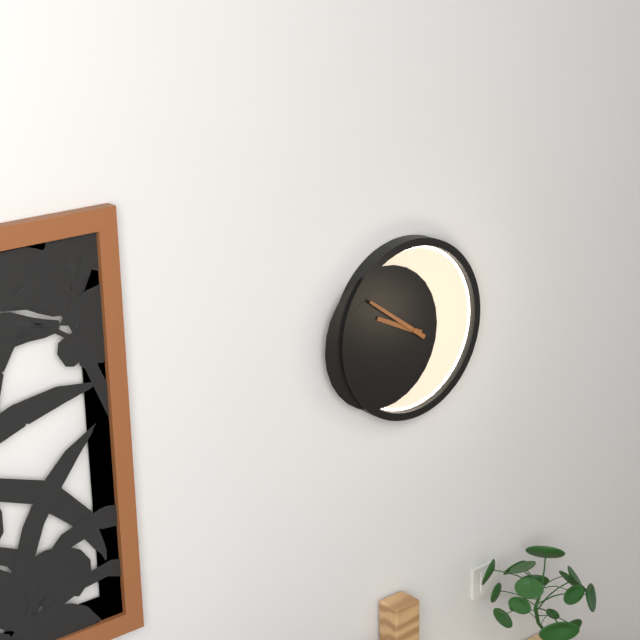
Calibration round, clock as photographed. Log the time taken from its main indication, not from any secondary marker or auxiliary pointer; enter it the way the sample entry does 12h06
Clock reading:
9h51
